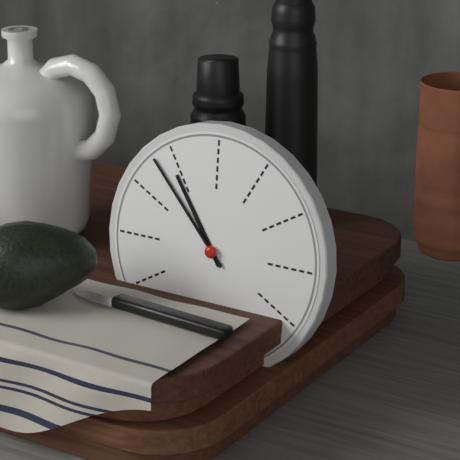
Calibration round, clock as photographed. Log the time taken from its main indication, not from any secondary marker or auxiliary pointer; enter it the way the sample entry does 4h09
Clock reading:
10h53
